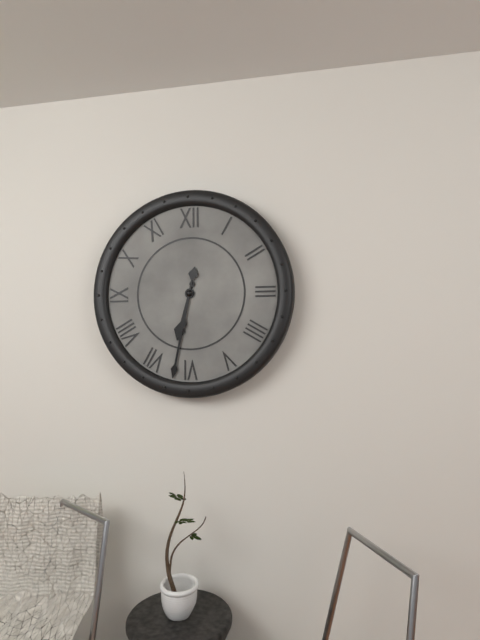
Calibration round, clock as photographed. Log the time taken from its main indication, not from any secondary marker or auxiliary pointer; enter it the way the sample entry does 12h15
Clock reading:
6h32
